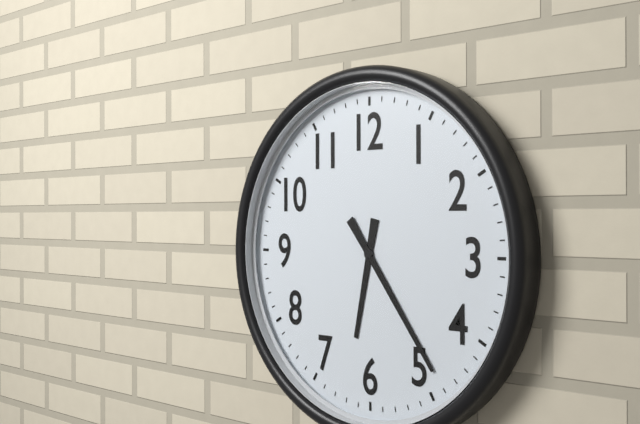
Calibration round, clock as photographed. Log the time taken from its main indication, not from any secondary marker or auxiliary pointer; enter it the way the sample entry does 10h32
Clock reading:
6h24
